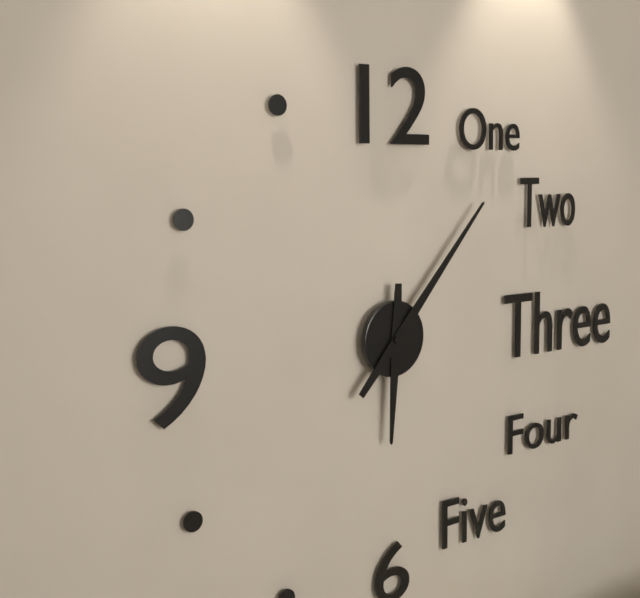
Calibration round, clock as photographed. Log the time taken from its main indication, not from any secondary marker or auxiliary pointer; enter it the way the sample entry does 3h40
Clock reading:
6h07
